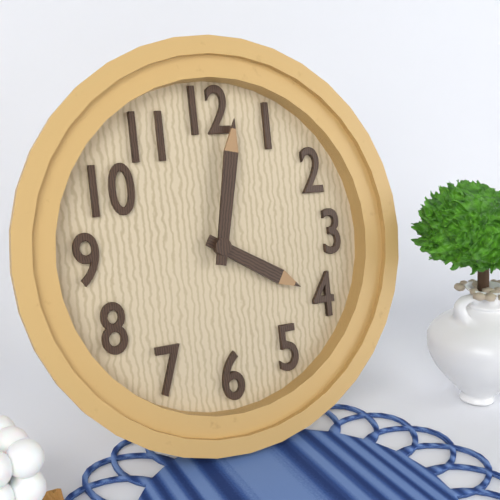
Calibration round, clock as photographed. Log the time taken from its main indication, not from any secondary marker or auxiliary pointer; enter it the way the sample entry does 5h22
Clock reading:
4h02
